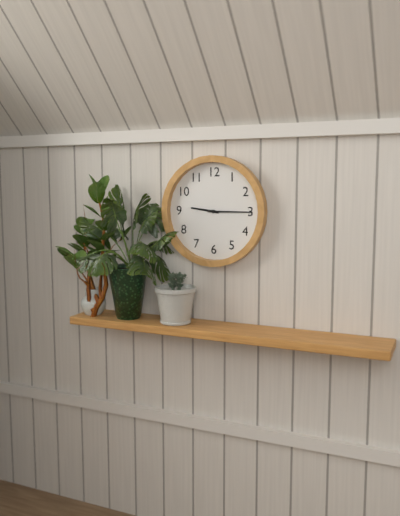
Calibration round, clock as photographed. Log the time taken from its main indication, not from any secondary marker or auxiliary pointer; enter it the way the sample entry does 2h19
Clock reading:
9h15
